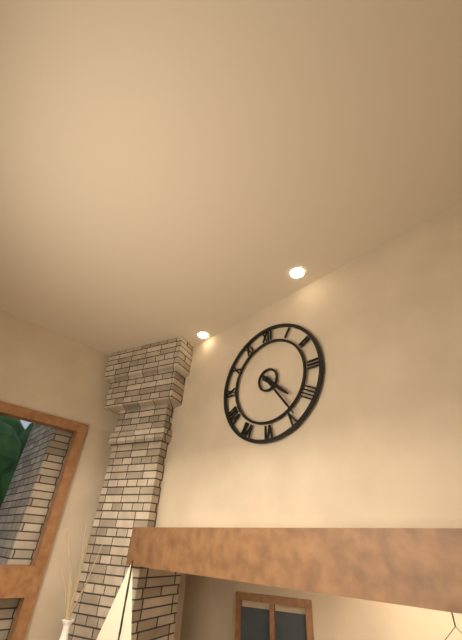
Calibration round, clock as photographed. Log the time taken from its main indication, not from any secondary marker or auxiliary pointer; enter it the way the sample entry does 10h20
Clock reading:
4h24
